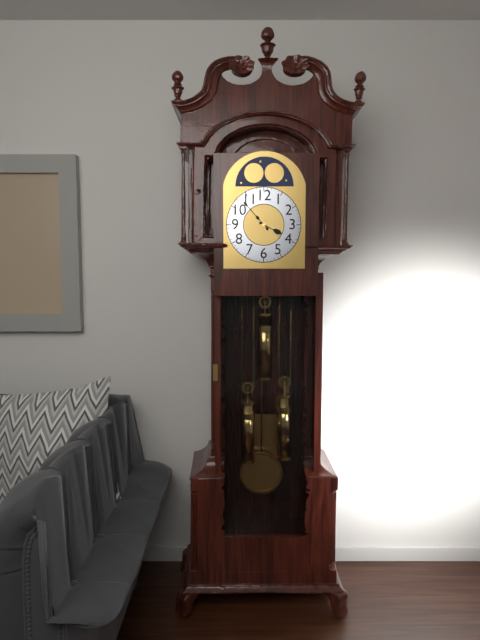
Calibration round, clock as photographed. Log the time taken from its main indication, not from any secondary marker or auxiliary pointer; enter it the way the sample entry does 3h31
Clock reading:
3h53
